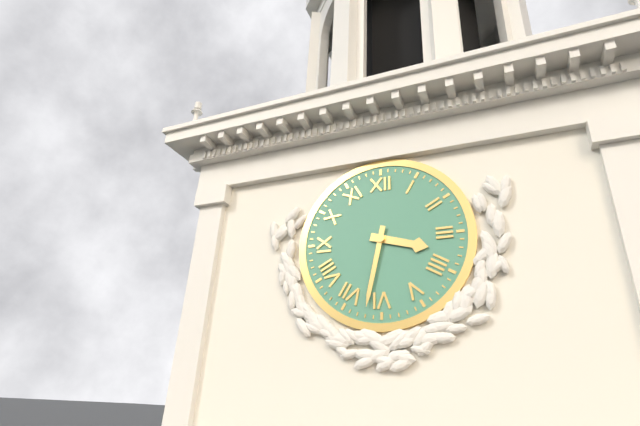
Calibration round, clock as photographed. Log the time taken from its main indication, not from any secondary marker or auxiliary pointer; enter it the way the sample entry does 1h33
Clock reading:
3h32
